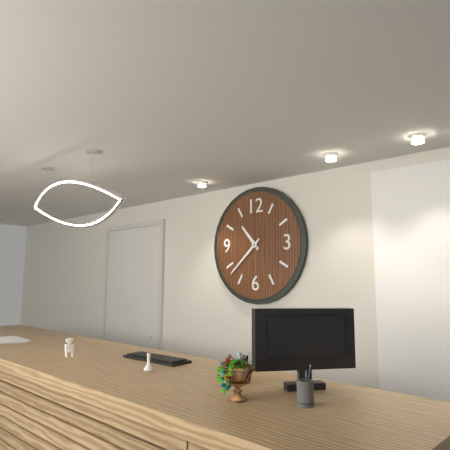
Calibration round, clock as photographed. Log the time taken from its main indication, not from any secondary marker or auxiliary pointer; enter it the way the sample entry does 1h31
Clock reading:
10h38
